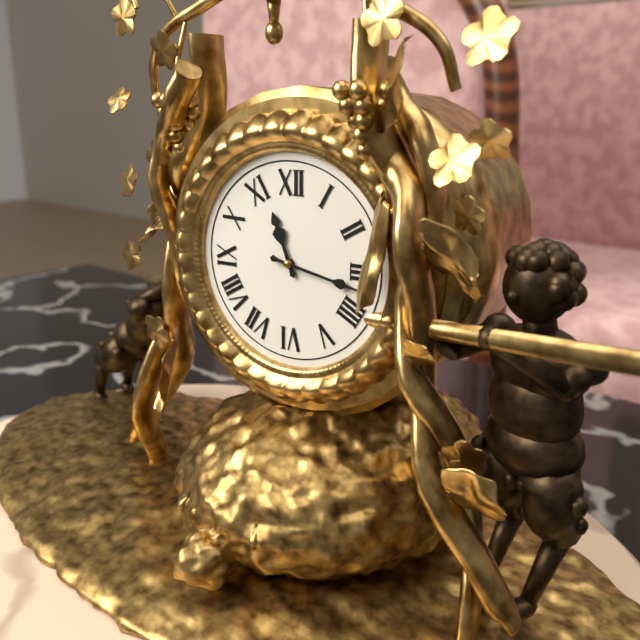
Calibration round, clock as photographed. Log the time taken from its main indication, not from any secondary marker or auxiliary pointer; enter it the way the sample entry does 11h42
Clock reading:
11h17
